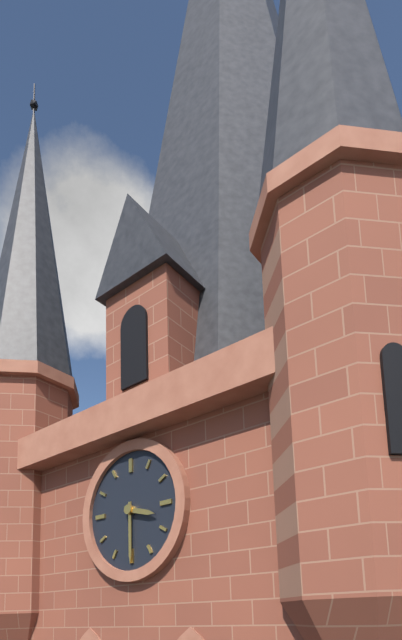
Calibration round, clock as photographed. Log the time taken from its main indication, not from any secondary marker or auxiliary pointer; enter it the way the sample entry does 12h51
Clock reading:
3h30
